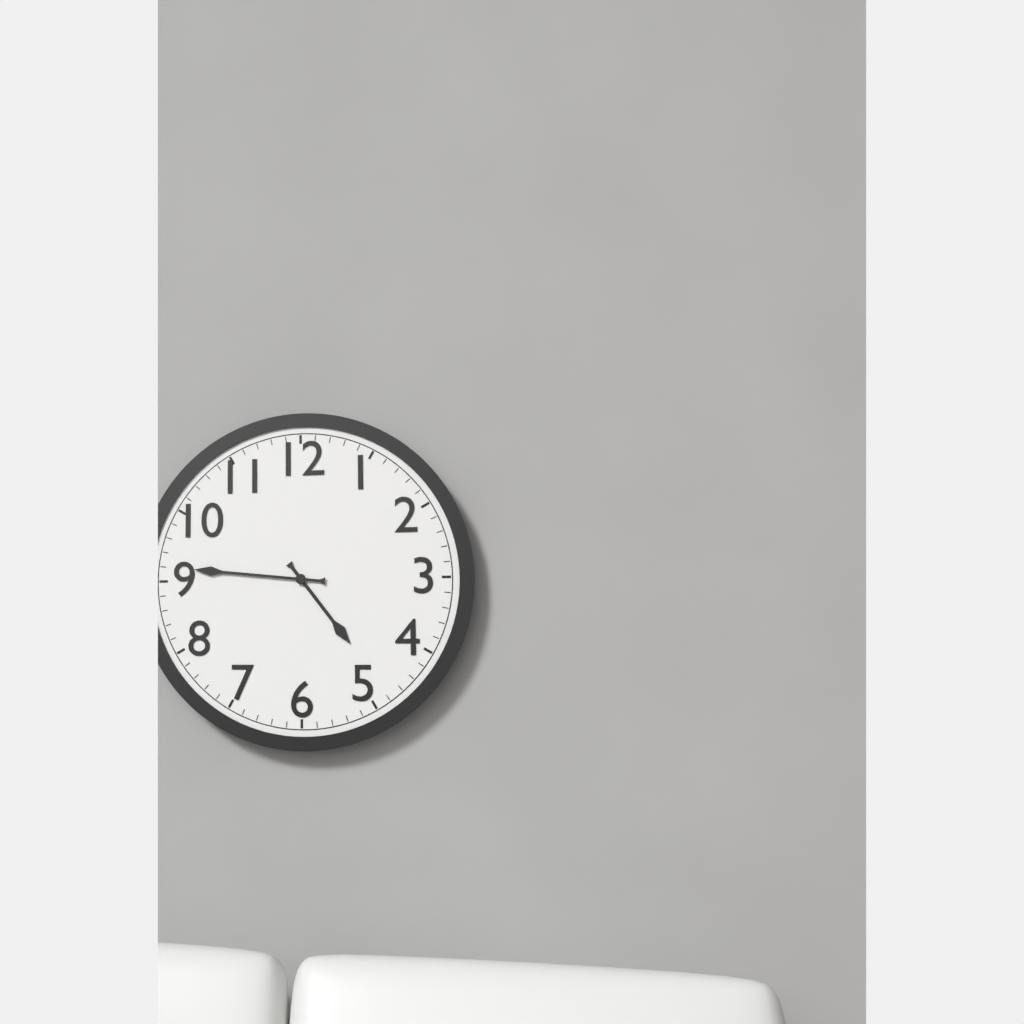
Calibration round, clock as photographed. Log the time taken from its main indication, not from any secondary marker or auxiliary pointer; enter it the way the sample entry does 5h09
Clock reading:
4h46
